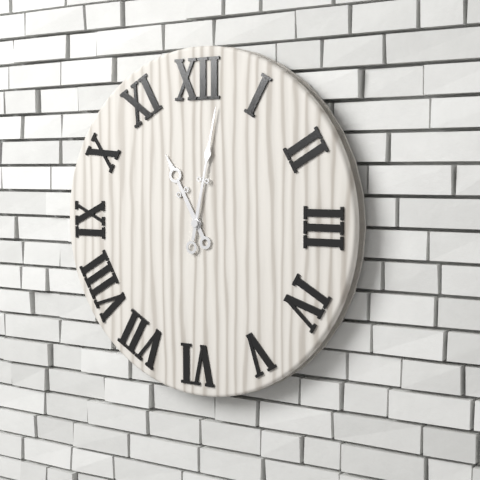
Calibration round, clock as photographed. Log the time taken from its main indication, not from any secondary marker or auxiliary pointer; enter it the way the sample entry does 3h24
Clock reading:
11h02
